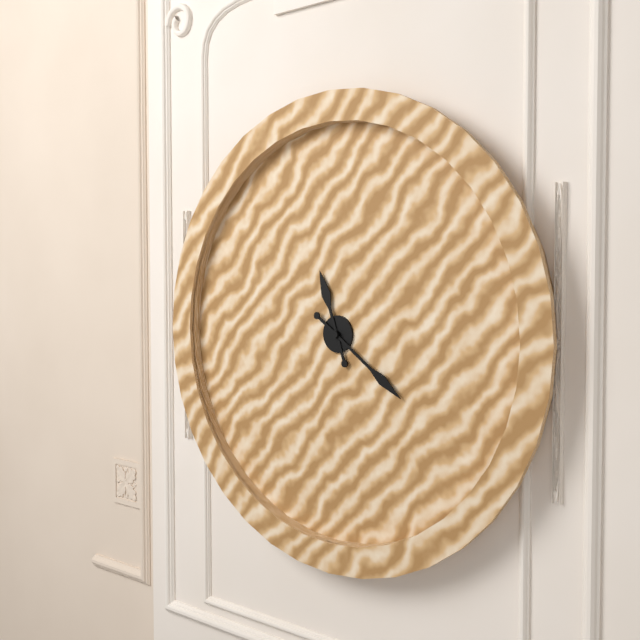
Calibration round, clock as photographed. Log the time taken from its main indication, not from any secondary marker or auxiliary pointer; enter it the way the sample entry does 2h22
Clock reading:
11h21
